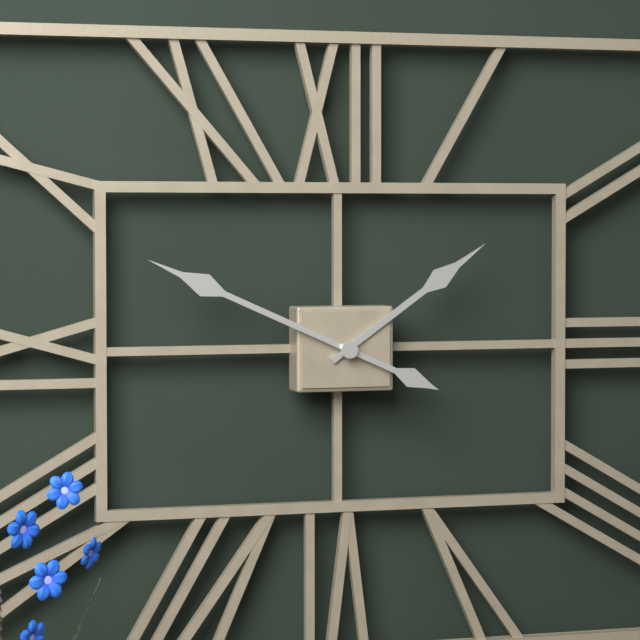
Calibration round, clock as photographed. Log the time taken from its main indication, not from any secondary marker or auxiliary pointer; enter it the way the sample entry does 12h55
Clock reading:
1h49
